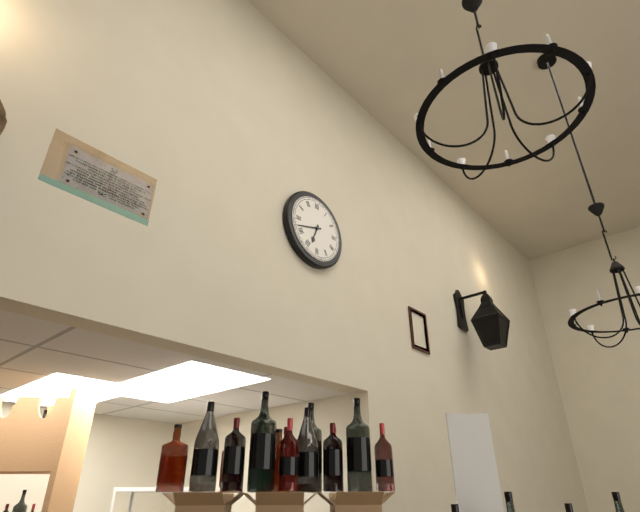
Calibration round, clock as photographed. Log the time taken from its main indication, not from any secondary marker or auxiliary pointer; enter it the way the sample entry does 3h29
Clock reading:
6h42
